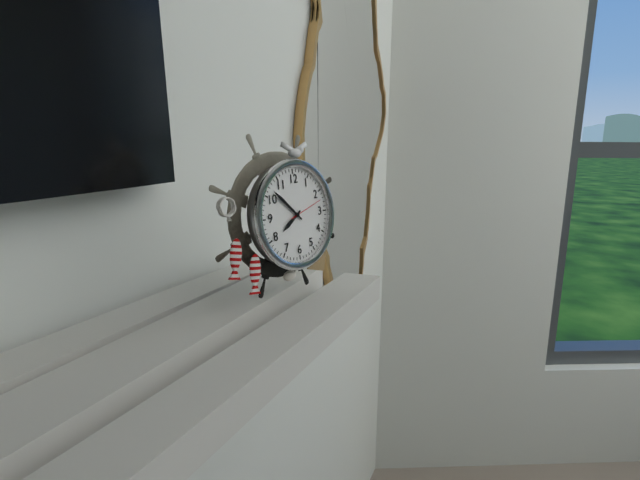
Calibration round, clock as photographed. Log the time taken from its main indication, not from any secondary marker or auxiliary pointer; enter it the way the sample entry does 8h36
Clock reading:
7h52
